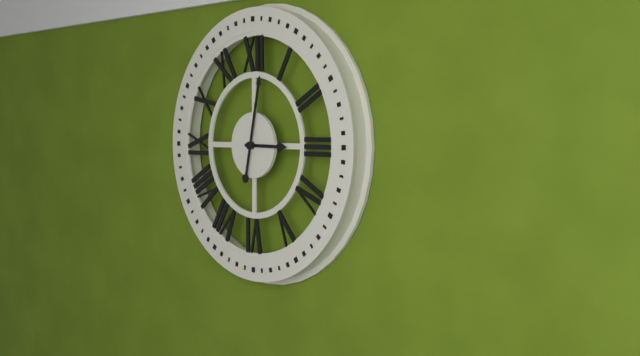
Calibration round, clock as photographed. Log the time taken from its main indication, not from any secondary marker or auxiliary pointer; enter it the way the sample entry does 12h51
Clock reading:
3h02
